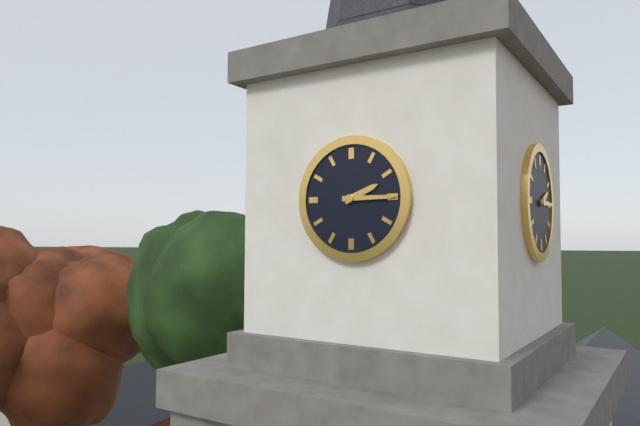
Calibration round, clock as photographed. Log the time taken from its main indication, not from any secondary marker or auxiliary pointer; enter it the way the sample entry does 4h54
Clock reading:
2h15
